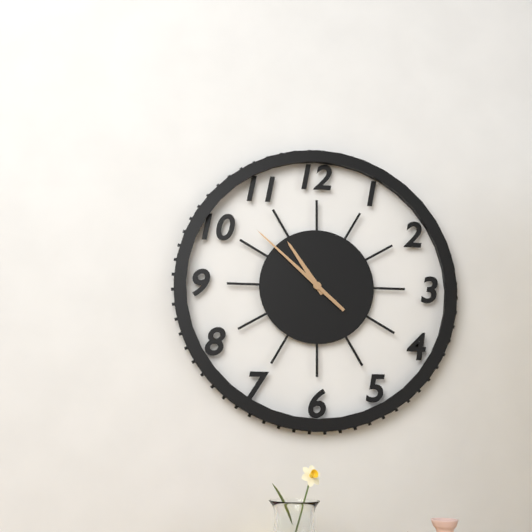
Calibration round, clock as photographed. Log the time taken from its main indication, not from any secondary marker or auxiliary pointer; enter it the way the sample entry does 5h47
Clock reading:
10h52
